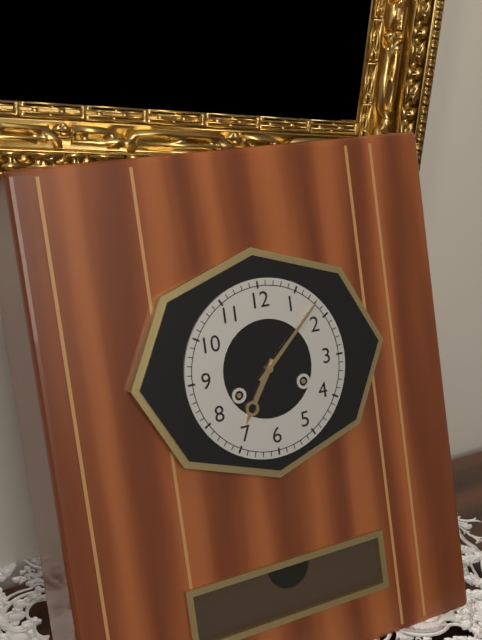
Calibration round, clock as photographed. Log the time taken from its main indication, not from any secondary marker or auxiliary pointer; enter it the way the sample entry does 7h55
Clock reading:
7h08
